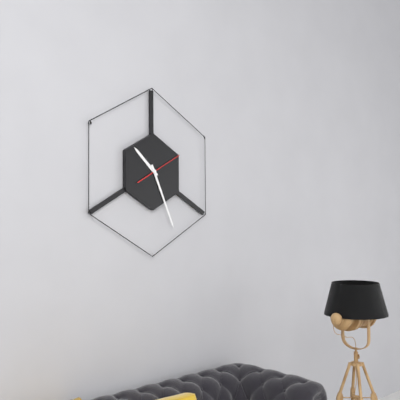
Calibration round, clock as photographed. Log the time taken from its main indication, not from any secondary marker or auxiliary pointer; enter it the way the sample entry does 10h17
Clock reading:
10h26
